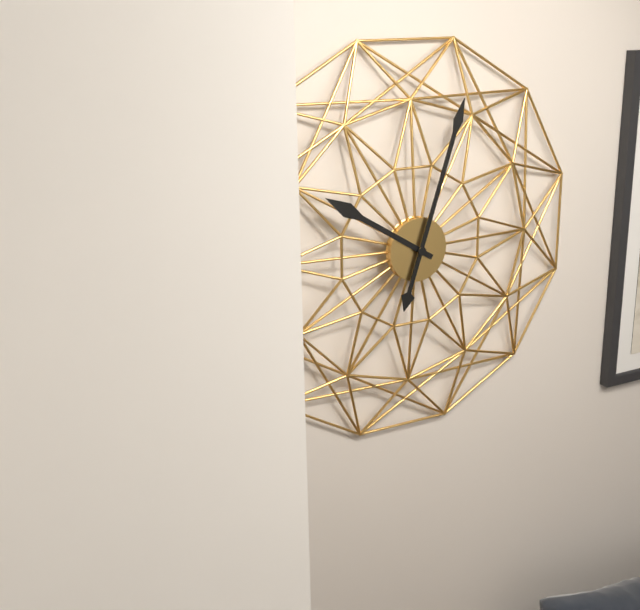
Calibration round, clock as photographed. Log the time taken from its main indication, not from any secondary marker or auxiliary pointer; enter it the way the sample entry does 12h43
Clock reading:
10h03
